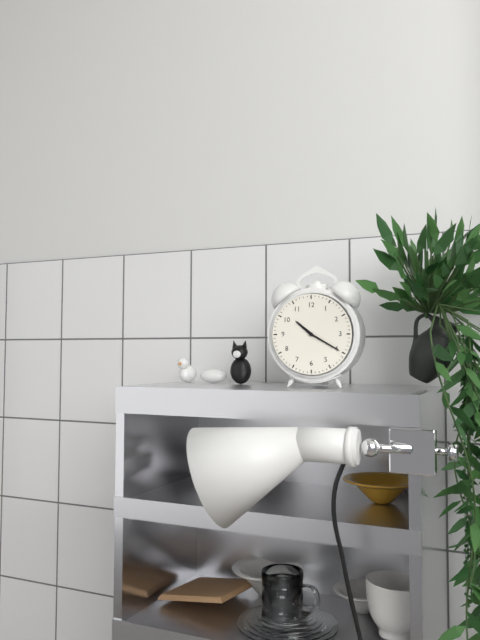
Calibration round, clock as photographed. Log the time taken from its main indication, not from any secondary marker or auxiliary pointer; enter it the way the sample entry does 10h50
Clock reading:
10h20
